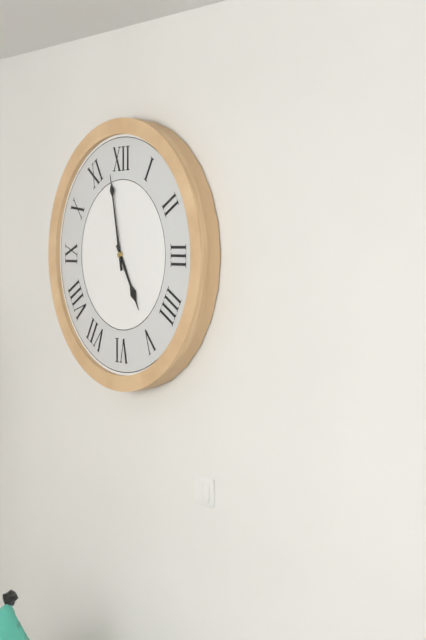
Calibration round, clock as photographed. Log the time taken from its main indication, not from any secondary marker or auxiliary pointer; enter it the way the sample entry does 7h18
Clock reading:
4h58
